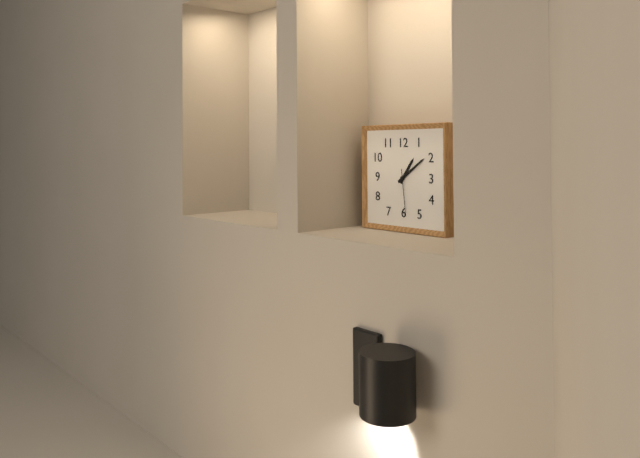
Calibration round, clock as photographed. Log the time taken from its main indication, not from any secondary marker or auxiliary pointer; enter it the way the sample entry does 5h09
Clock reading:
1h09
